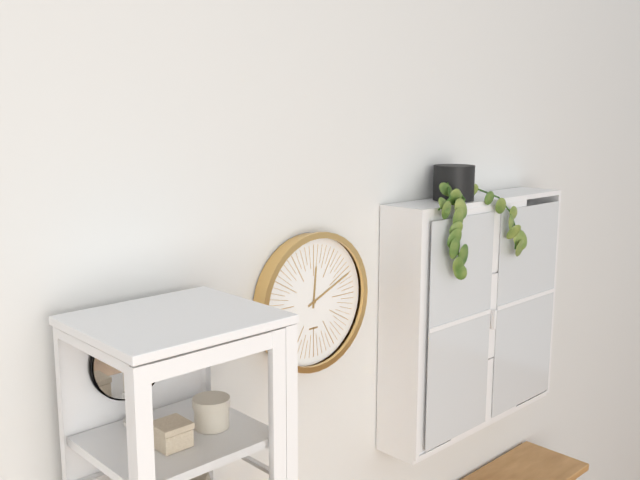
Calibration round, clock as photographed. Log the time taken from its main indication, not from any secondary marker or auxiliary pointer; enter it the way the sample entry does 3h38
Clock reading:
12h11
